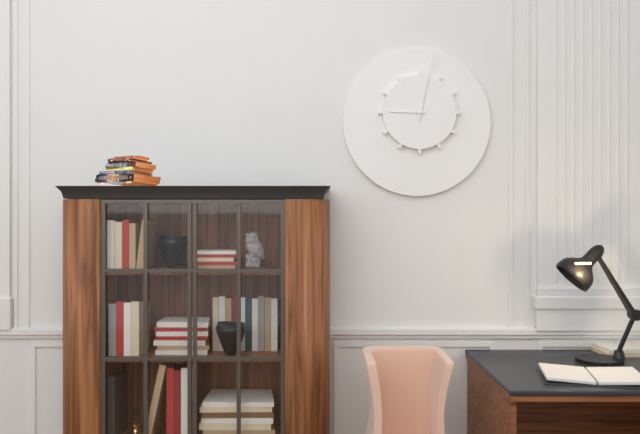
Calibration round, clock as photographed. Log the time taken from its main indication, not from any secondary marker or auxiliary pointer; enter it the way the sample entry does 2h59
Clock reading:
9h02
